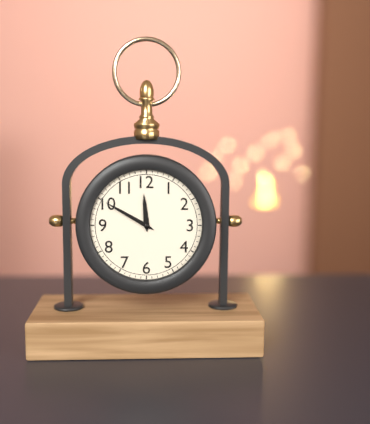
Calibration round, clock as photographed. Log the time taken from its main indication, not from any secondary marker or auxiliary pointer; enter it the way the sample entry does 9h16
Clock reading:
11h50
